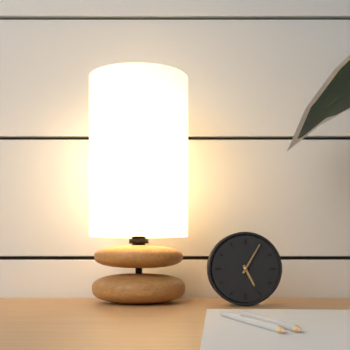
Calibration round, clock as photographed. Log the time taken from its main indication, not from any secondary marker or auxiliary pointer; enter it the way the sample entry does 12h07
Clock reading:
5h05
